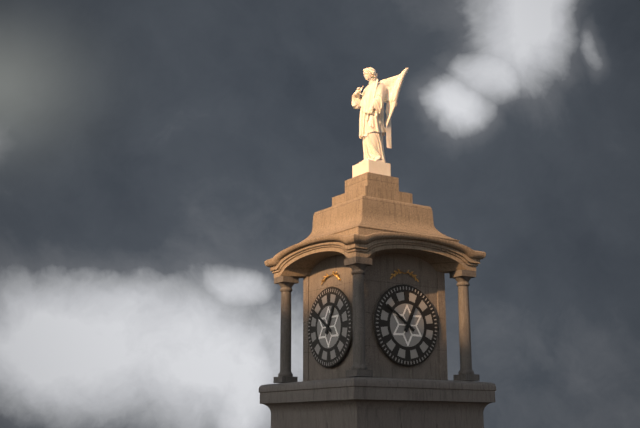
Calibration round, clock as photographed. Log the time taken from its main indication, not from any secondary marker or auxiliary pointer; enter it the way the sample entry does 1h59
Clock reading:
12h51
